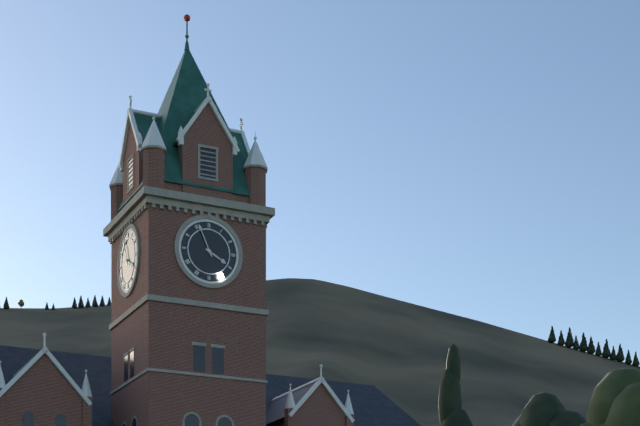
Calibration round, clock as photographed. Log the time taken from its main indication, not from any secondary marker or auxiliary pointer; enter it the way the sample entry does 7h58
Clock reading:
3h56
